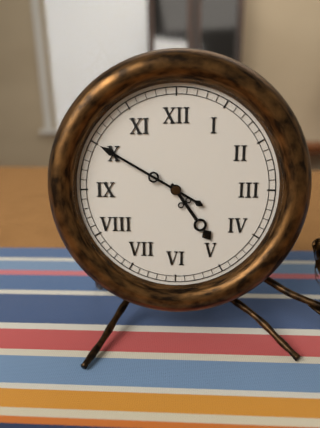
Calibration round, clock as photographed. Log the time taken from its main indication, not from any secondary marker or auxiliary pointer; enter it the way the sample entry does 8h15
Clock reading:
4h50
